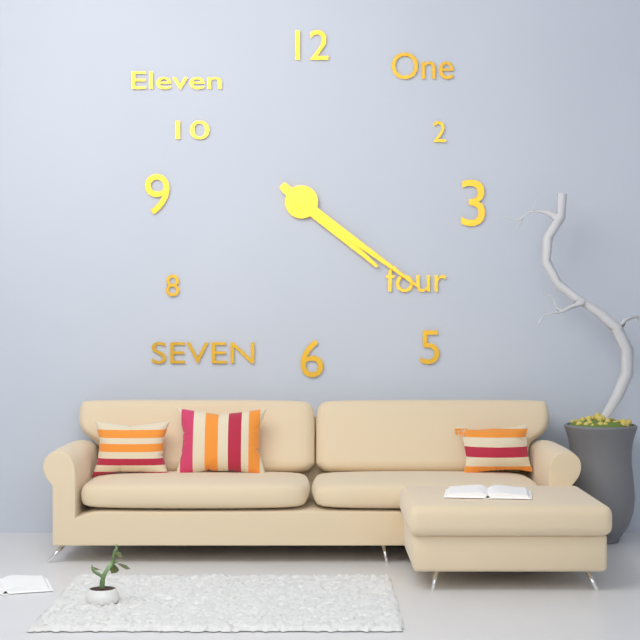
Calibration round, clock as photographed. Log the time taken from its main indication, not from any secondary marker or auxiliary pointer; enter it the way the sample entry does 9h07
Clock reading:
4h21
